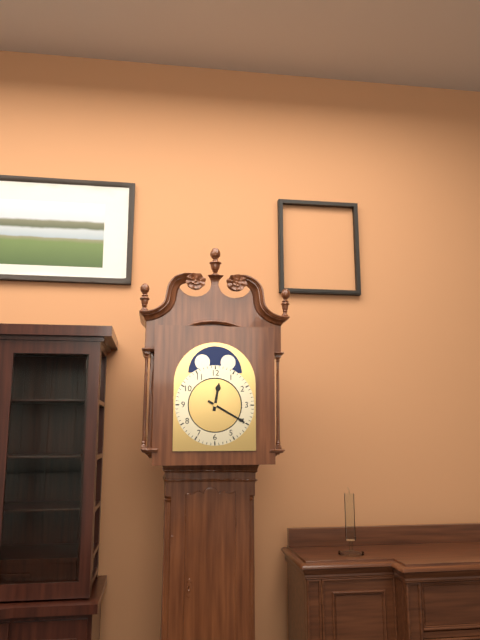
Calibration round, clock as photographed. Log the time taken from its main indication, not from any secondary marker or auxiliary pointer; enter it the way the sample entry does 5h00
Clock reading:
12h20
